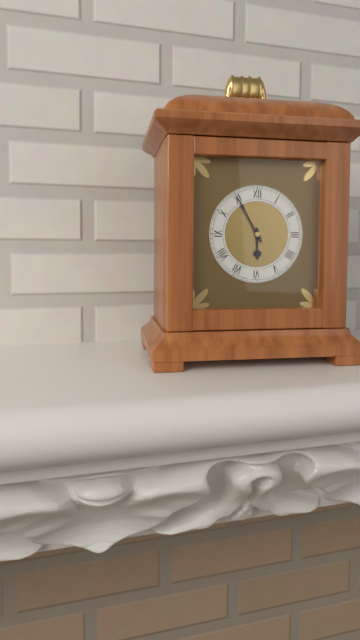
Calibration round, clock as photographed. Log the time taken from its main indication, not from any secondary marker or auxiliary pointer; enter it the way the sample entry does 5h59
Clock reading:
5h55
